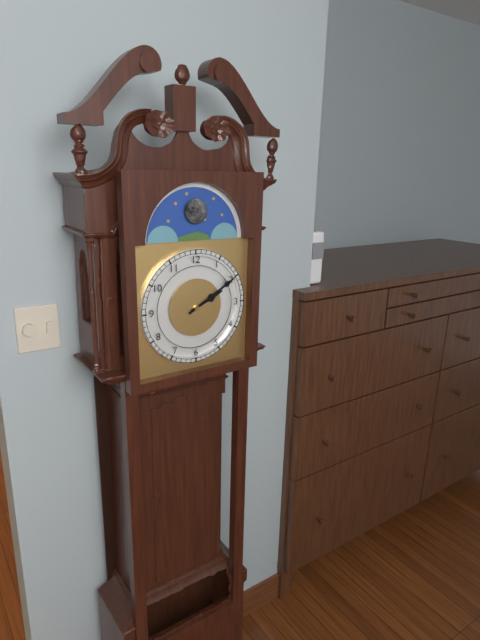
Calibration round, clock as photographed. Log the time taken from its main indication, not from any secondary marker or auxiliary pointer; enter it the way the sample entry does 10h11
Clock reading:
2h10
